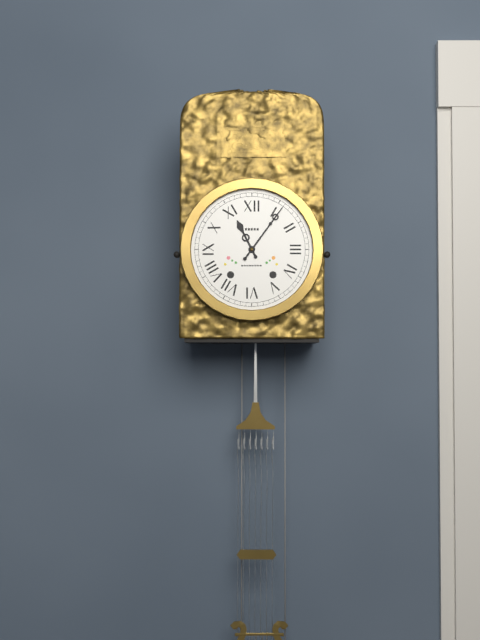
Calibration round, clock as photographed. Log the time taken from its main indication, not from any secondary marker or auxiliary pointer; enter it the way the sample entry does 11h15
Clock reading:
11h06
